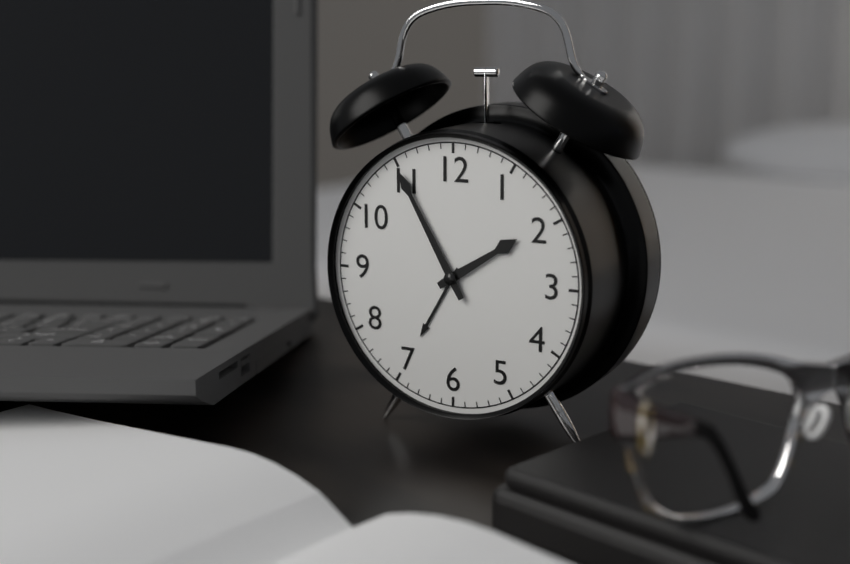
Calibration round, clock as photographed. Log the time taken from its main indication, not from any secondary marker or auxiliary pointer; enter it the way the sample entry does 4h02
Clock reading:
1h55
